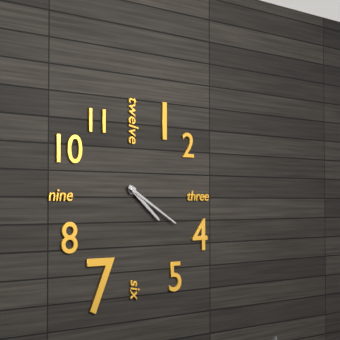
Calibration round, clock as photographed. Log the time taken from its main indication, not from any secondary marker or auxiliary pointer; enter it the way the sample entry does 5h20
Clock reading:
4h20
